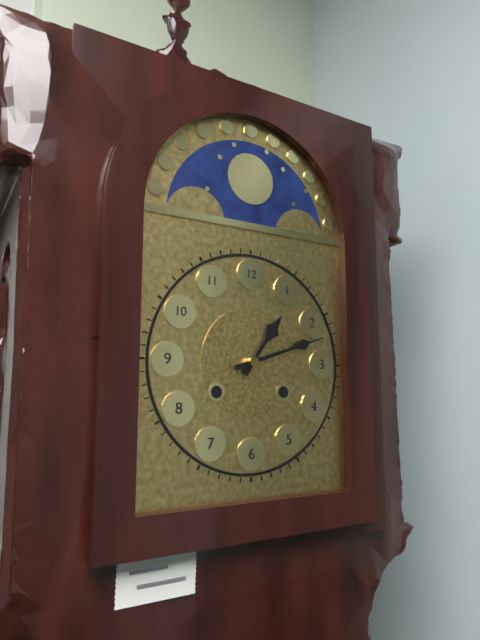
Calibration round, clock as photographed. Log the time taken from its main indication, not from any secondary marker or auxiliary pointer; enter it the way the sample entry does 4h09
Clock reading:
1h12
